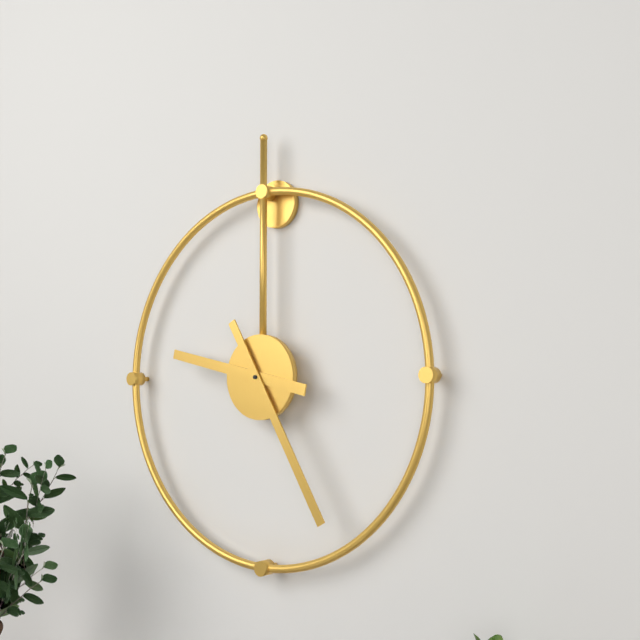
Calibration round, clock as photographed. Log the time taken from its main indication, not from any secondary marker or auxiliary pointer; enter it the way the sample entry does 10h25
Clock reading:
9h25
